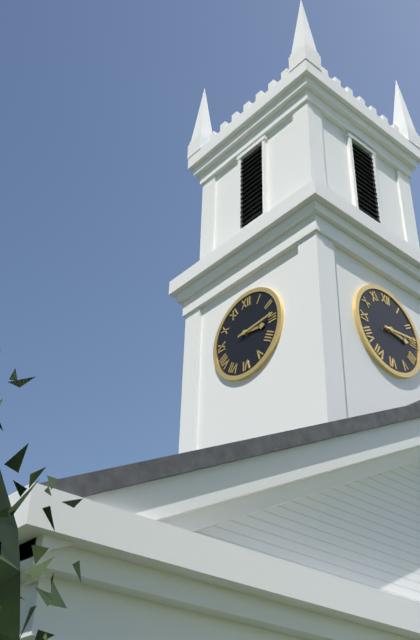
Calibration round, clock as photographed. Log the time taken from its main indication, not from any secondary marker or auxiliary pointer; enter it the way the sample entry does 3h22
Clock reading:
3h14
